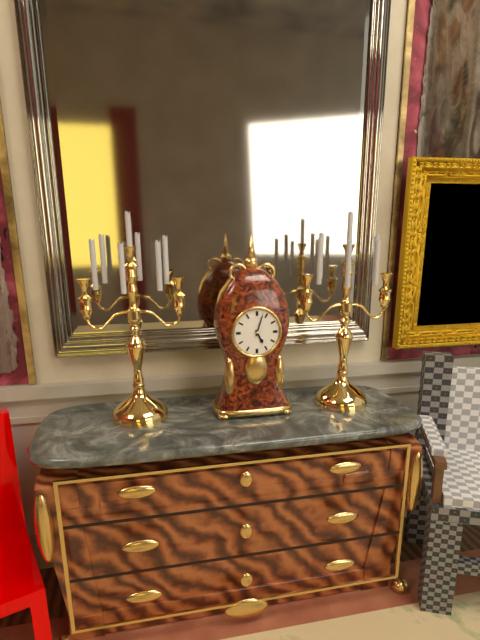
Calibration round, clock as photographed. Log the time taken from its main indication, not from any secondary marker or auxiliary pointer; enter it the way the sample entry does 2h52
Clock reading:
5h03
